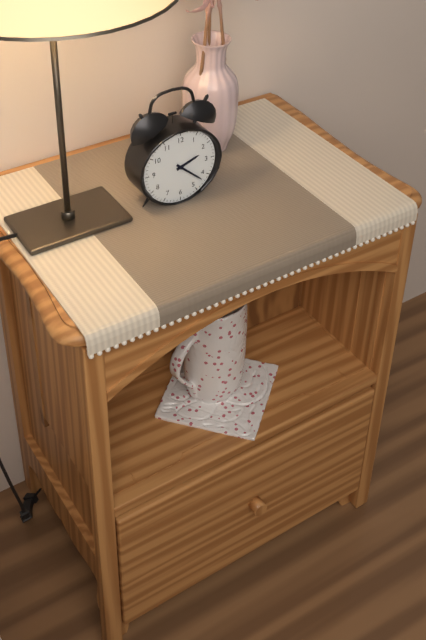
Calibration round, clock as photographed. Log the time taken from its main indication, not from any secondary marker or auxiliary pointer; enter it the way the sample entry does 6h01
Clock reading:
2h22
